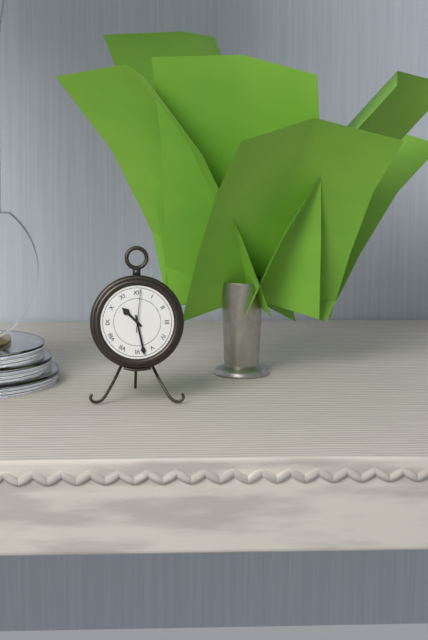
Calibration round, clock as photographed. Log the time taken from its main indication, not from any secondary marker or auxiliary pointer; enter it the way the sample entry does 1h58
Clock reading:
10h28
